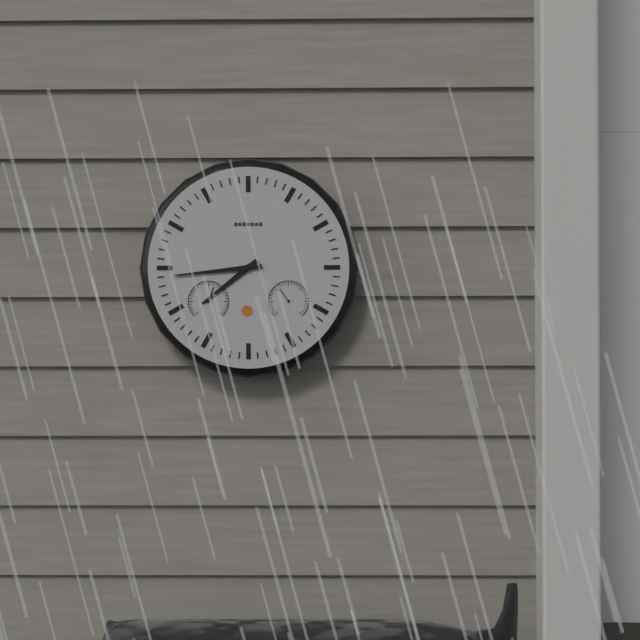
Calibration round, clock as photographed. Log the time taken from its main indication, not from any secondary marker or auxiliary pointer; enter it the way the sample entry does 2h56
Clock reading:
7h44
